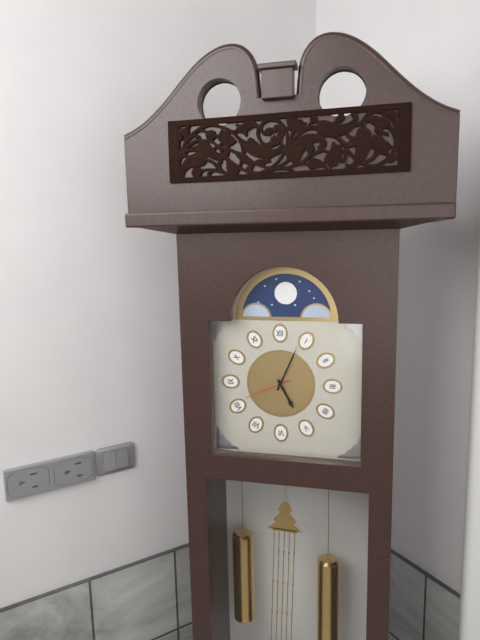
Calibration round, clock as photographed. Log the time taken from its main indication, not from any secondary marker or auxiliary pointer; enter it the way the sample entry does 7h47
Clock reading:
5h04
